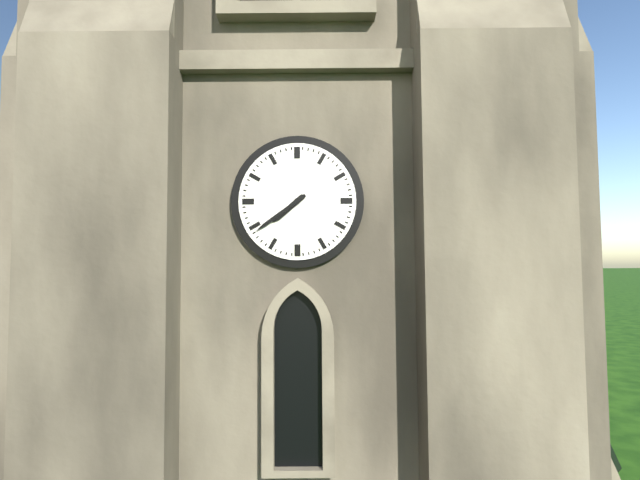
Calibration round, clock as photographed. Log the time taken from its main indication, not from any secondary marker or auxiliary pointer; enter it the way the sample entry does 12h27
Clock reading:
7h39
